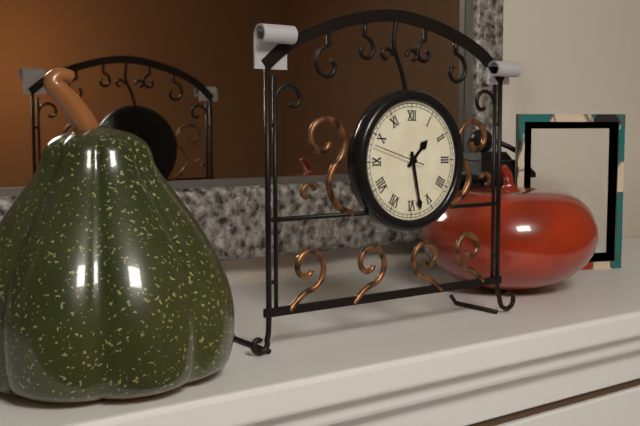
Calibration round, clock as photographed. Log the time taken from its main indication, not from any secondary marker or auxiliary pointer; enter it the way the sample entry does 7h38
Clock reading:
1h28
